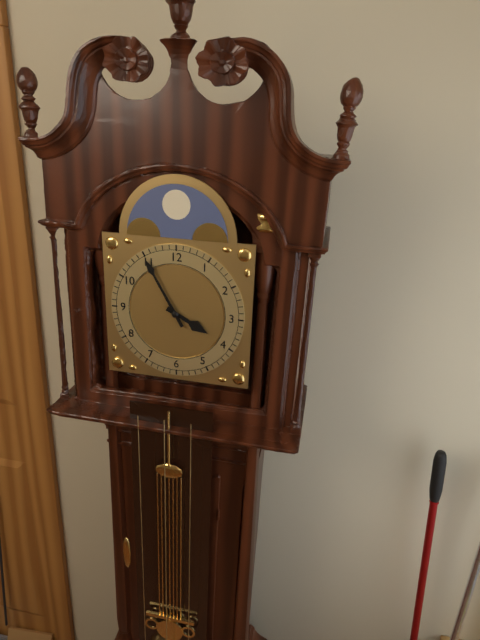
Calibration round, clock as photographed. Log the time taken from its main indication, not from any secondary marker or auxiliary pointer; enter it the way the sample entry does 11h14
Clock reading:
3h55
